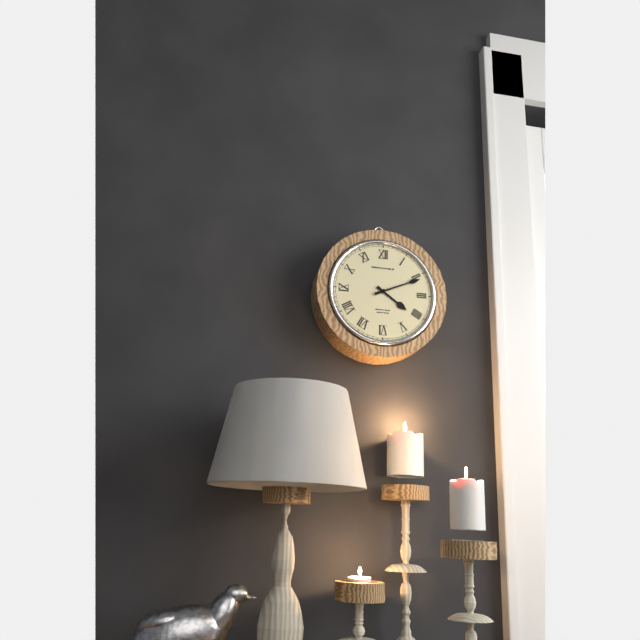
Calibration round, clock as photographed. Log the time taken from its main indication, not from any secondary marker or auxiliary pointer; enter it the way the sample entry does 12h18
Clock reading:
4h11
